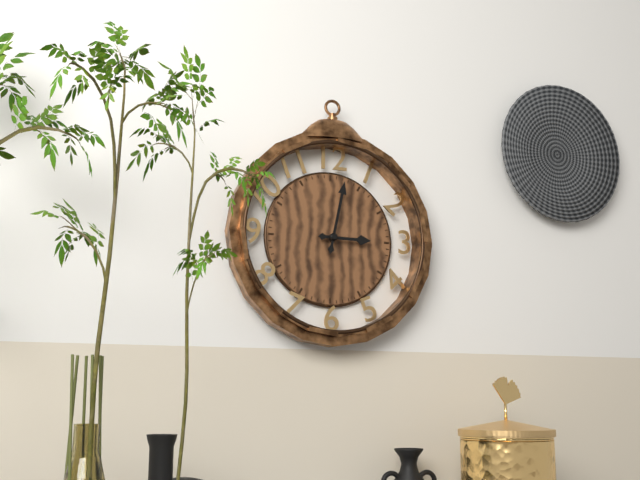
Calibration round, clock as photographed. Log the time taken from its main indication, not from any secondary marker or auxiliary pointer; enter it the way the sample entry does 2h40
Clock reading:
3h02
